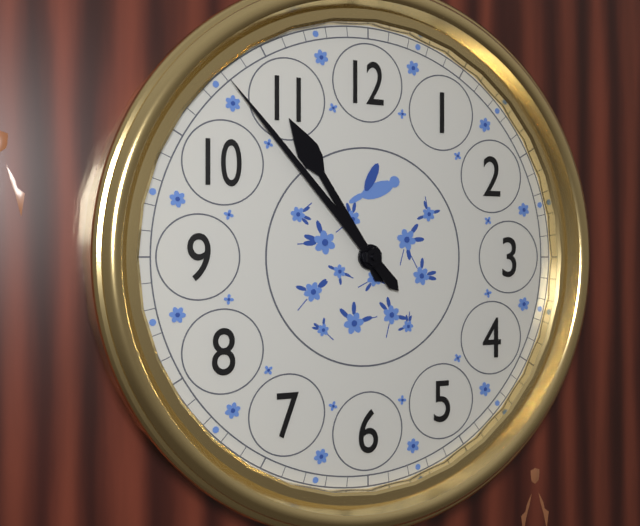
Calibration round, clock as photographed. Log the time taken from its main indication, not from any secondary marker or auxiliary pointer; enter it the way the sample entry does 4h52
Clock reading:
10h53
